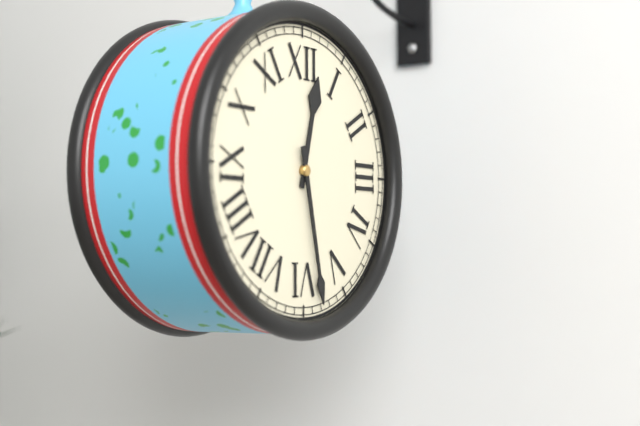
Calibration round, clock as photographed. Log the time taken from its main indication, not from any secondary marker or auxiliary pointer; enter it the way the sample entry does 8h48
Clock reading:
12h28
